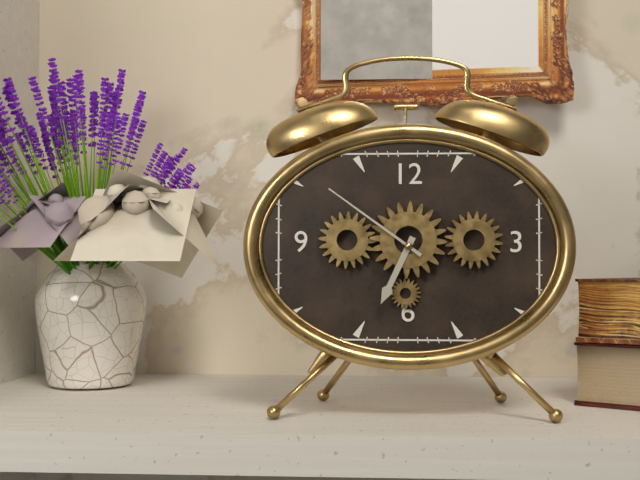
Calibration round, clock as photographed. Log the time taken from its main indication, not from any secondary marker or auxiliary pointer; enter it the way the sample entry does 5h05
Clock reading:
6h51
